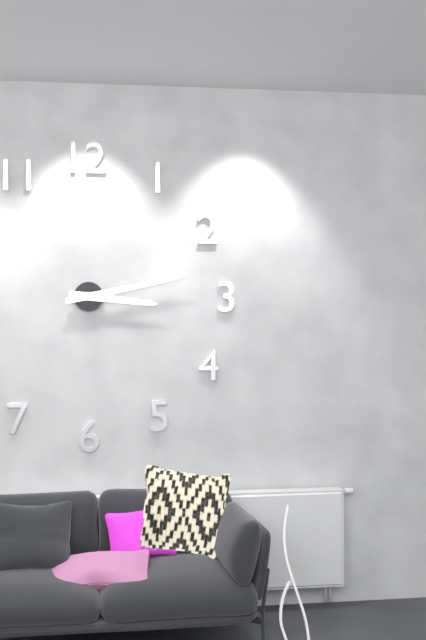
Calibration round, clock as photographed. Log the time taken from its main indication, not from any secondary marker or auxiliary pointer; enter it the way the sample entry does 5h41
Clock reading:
3h13
